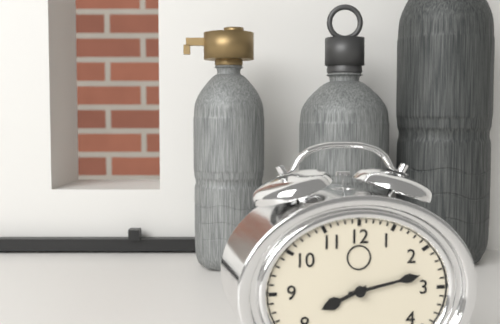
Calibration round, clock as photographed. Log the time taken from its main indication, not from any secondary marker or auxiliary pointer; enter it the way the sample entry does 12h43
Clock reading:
8h13
